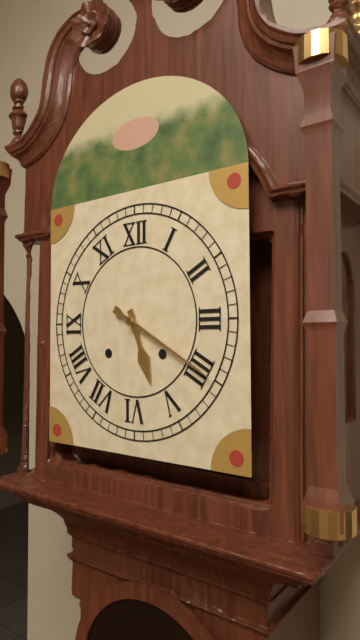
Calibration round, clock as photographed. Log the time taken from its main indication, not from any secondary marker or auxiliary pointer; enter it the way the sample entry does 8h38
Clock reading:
5h20
